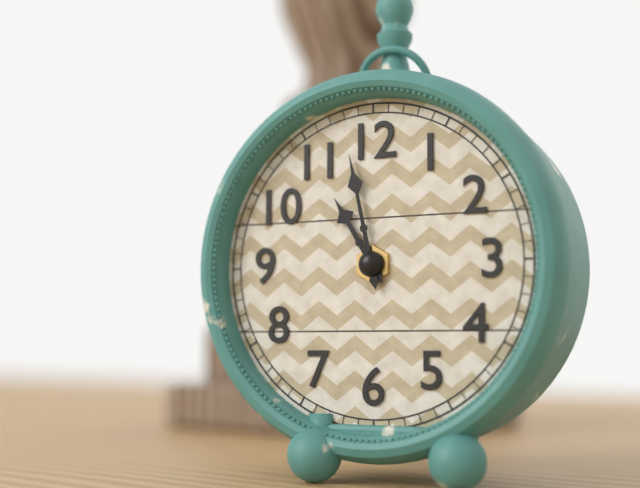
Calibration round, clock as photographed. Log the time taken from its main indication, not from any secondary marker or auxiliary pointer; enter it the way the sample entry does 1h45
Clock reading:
10h58
